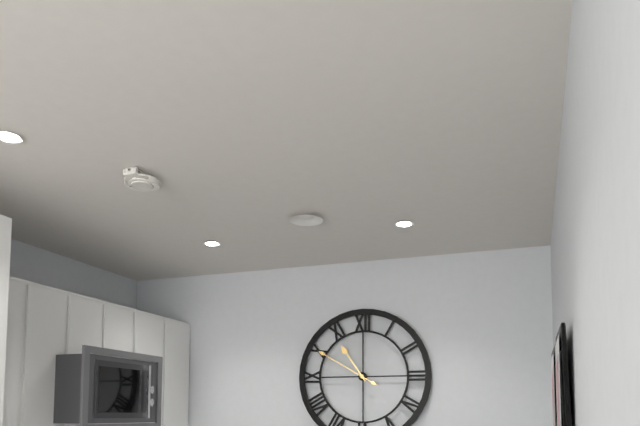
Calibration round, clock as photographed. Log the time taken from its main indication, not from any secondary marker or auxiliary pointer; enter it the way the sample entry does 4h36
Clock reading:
10h50
